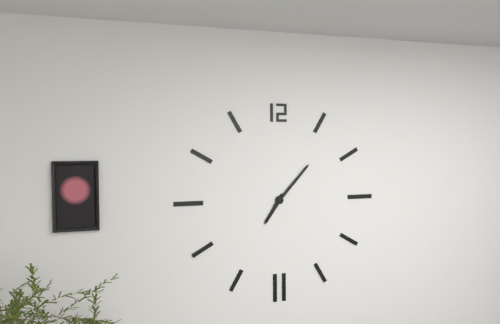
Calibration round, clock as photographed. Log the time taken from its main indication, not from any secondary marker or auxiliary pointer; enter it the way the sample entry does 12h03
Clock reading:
7h07
